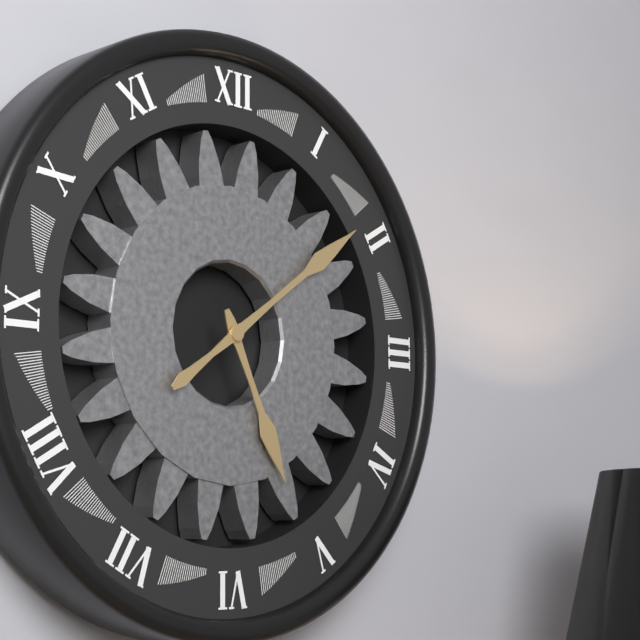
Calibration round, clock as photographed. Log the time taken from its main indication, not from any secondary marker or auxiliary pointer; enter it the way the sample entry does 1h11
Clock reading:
5h09
